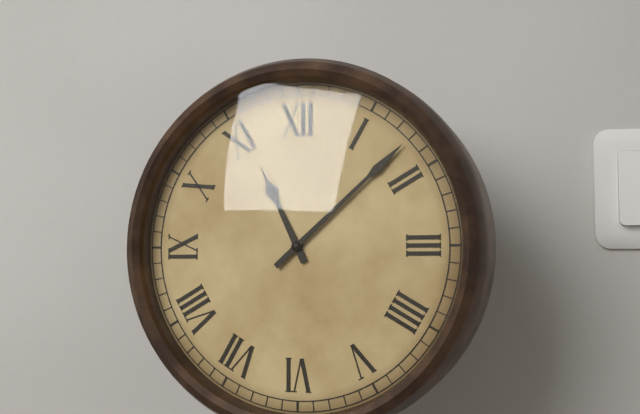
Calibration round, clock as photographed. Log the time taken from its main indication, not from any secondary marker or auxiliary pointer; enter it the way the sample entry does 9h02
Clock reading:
11h08
